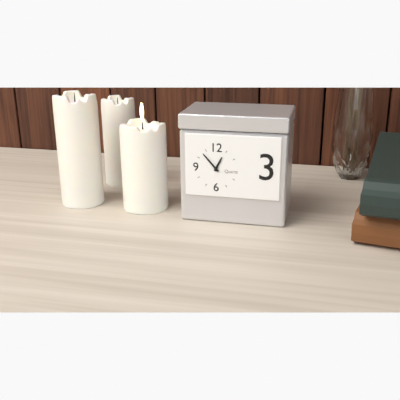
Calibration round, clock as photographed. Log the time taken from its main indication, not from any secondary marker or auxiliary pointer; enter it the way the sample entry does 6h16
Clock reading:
12h53
